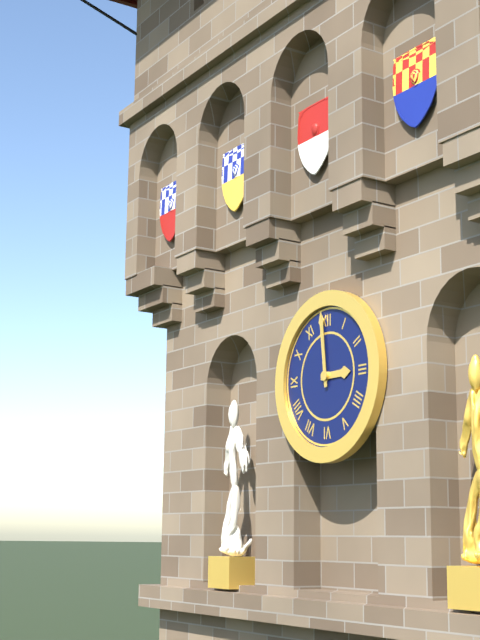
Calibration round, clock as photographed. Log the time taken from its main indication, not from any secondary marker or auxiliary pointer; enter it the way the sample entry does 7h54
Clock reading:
2h59
